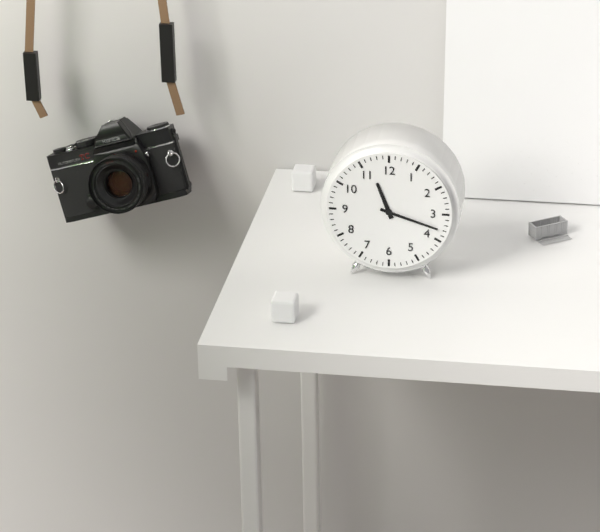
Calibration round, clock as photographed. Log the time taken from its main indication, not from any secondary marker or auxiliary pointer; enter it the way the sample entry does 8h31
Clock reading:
11h18
